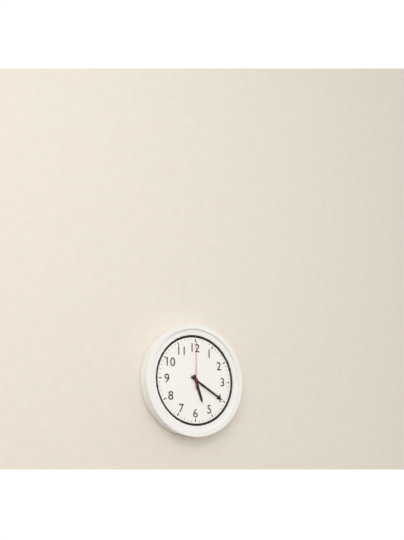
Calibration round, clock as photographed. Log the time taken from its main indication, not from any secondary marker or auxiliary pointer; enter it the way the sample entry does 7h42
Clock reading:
5h20
